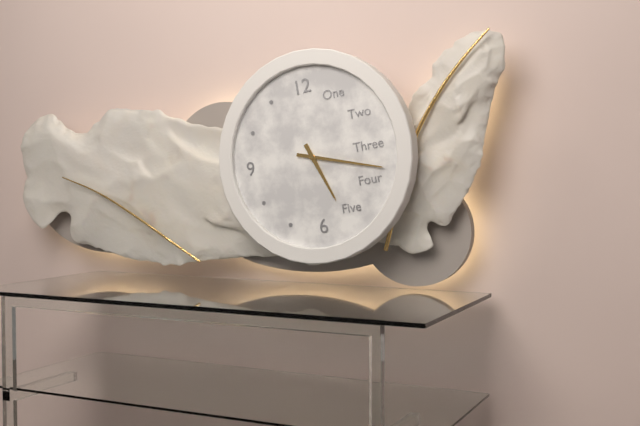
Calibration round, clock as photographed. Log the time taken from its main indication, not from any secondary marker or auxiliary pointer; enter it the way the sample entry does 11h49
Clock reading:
5h18
